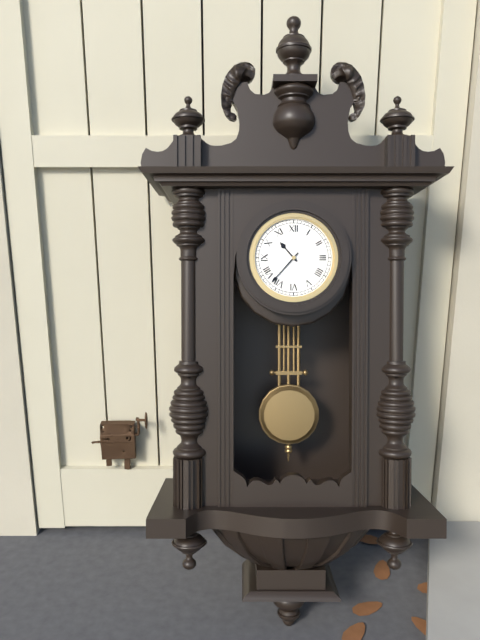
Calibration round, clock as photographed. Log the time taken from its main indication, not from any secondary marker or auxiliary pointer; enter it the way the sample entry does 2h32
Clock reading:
10h37
